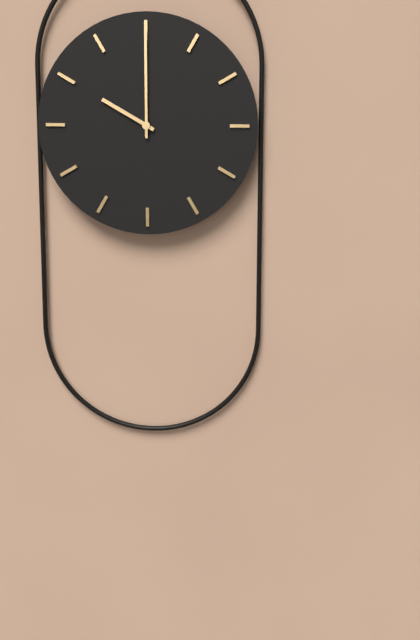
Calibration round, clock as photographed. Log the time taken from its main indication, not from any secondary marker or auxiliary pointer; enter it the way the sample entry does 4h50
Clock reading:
10h00
